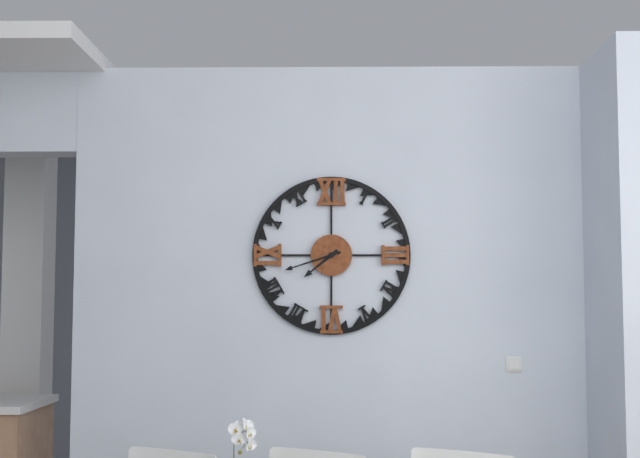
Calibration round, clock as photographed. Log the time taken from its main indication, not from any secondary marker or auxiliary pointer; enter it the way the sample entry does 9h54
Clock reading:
7h42
